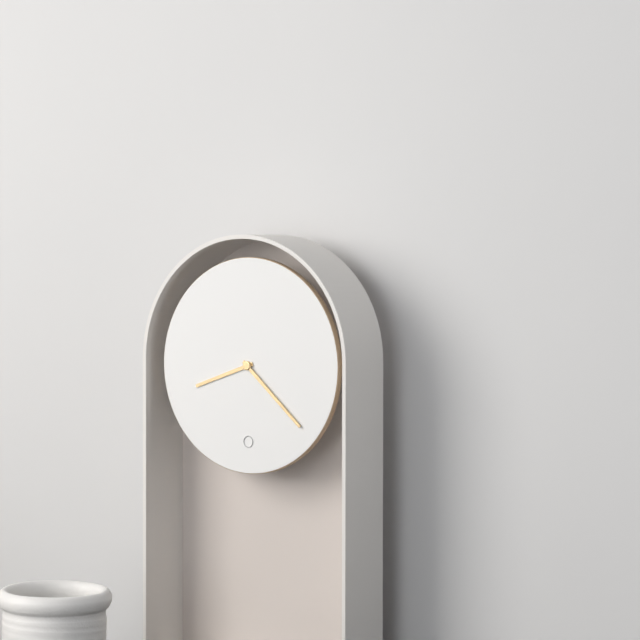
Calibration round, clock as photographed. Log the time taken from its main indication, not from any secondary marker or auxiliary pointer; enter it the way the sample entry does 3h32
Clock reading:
8h22
